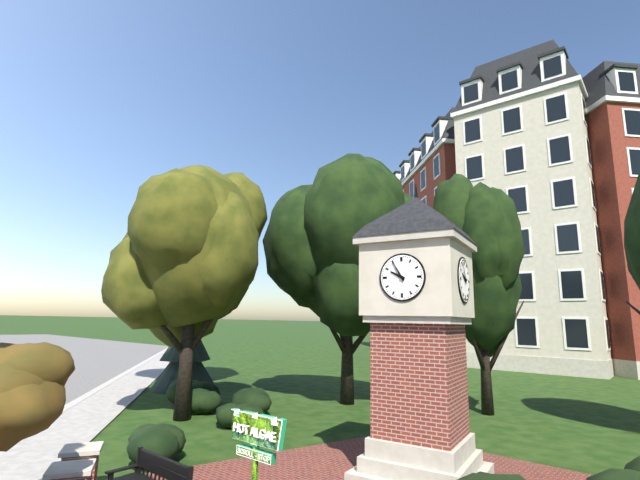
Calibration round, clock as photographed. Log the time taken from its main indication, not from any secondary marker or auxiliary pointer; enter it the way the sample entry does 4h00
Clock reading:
9h55
